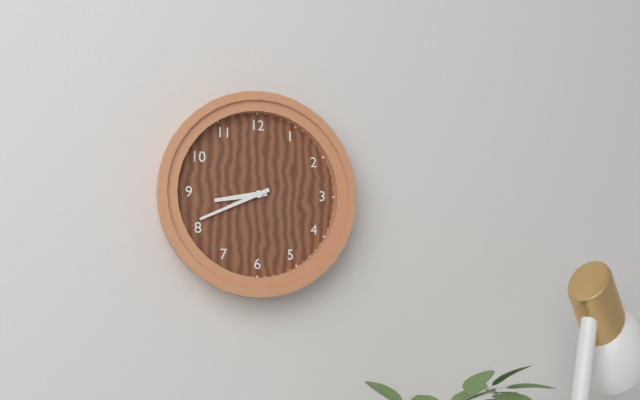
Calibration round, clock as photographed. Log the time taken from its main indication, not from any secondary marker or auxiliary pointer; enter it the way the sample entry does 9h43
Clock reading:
8h41
